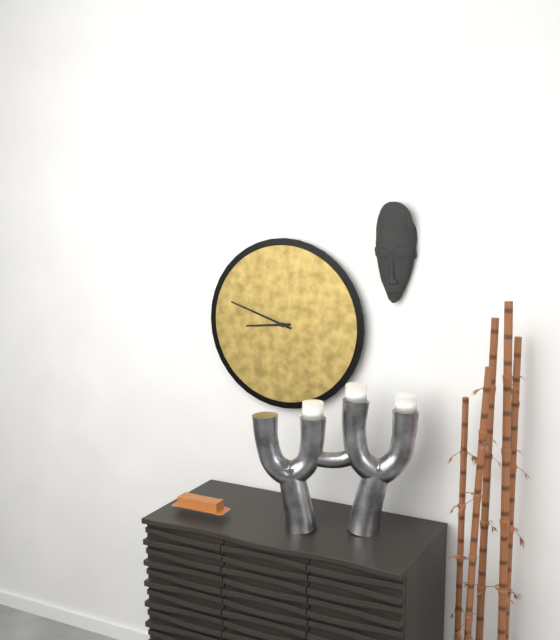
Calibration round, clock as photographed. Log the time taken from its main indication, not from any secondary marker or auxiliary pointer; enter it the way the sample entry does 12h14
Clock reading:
8h48
